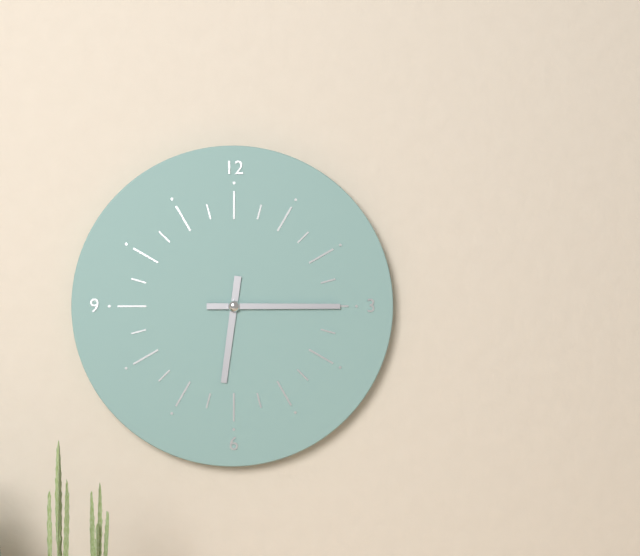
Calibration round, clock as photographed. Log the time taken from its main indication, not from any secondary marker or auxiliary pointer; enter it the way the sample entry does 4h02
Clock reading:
6h15
